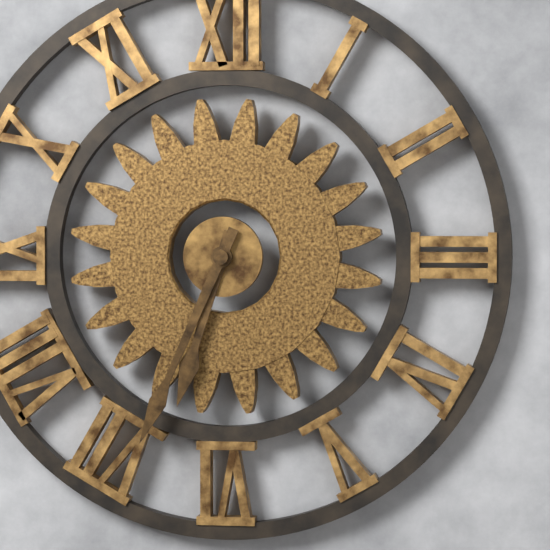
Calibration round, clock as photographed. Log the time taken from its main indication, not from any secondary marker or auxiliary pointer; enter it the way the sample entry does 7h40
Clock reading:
6h34
